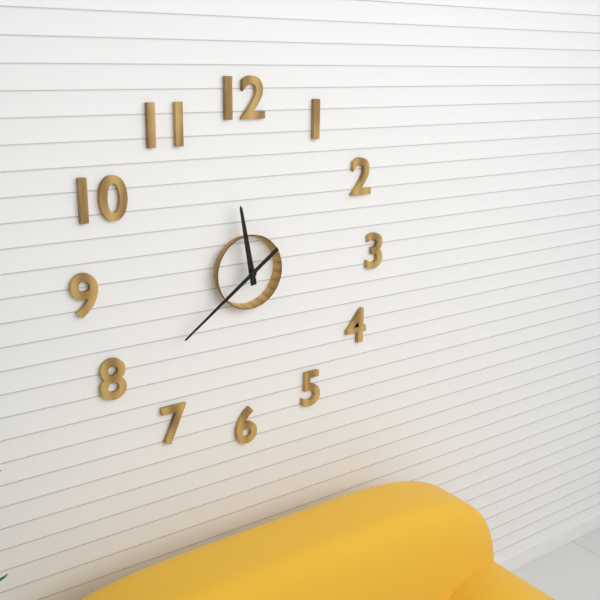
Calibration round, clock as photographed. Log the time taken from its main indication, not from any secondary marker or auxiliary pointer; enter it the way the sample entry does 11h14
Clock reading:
11h39
